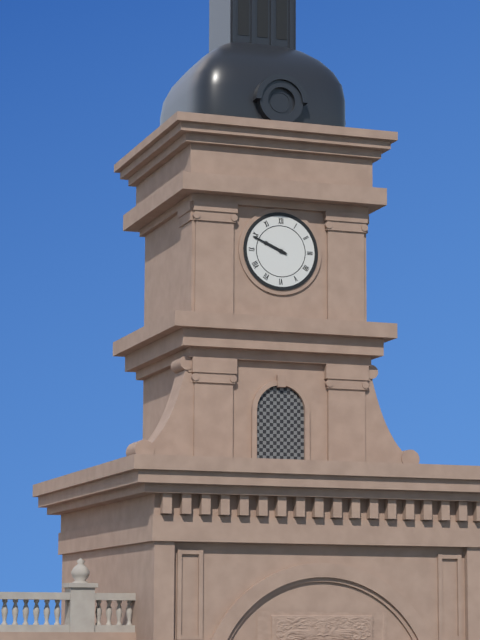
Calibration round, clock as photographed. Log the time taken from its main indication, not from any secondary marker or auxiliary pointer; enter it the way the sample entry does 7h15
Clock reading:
9h49
